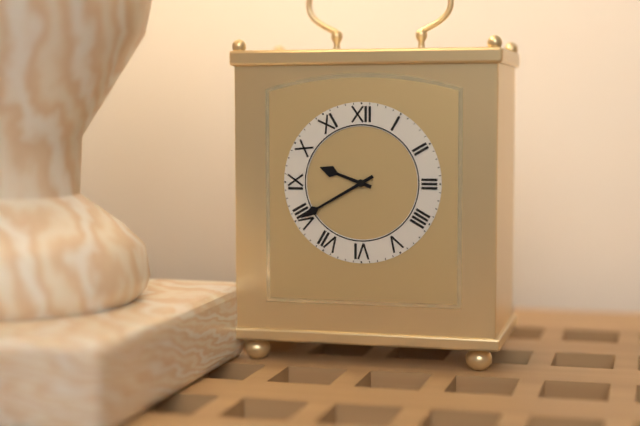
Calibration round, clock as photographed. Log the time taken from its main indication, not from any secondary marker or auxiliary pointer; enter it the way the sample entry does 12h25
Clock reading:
9h40
